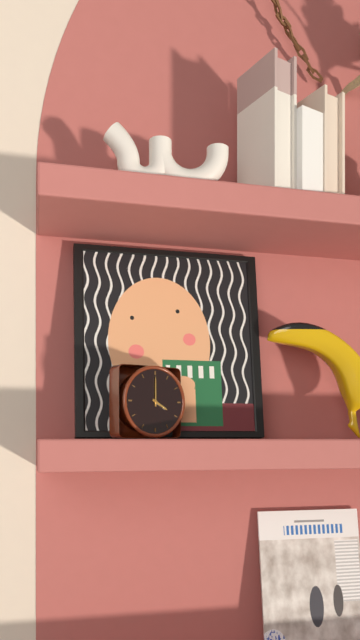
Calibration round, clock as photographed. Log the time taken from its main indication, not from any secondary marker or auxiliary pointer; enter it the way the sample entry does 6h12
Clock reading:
4h00
